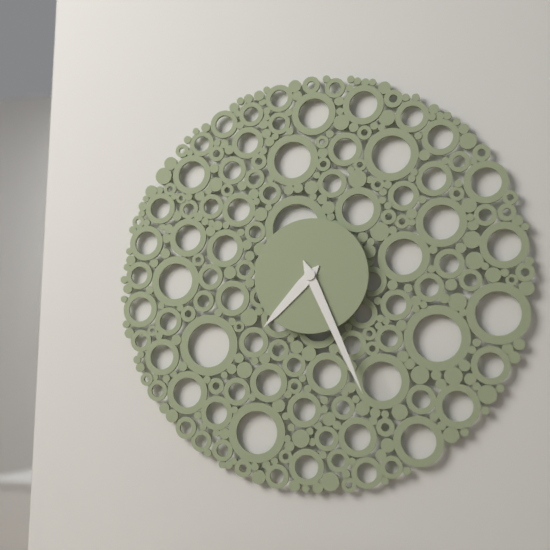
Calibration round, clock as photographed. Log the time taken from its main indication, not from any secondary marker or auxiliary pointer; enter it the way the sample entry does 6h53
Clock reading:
7h26
